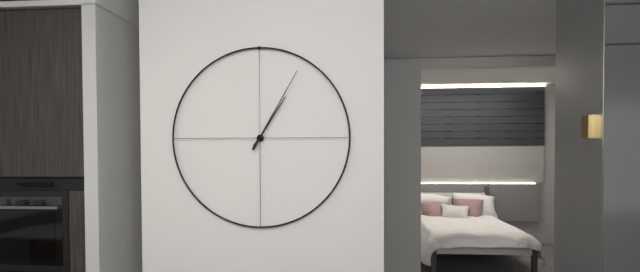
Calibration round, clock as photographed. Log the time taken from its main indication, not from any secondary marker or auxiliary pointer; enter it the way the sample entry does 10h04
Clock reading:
1h05
